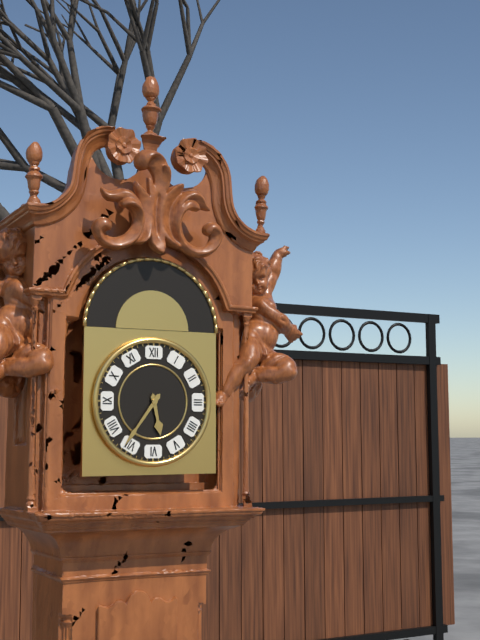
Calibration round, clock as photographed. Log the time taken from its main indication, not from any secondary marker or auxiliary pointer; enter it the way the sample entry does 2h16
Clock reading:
5h36
